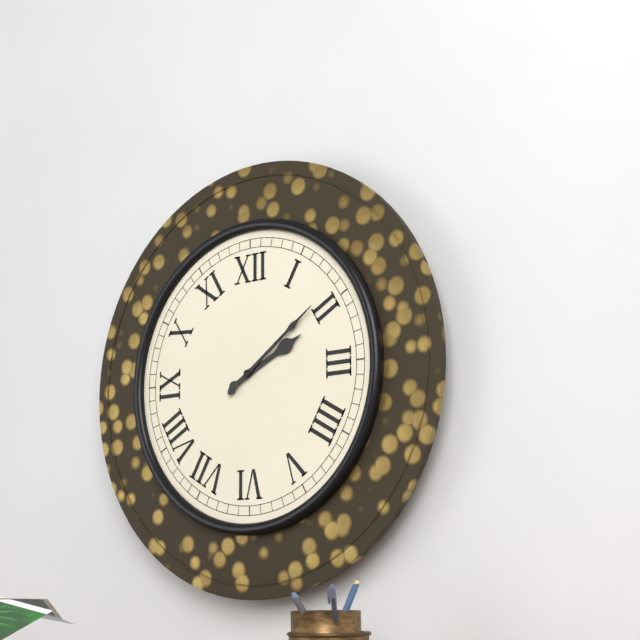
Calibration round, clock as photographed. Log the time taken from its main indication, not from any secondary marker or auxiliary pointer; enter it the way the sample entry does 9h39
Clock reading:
2h09
